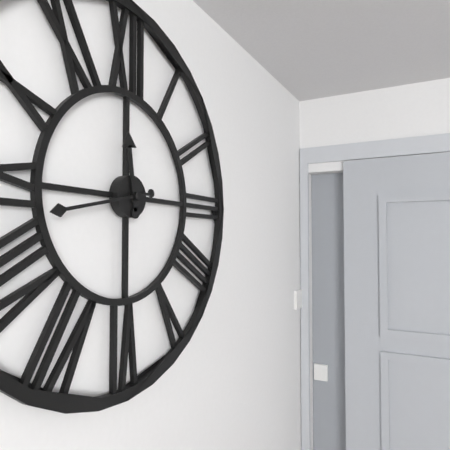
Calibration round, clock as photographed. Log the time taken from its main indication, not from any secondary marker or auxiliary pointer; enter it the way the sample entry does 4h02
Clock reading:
11h43
